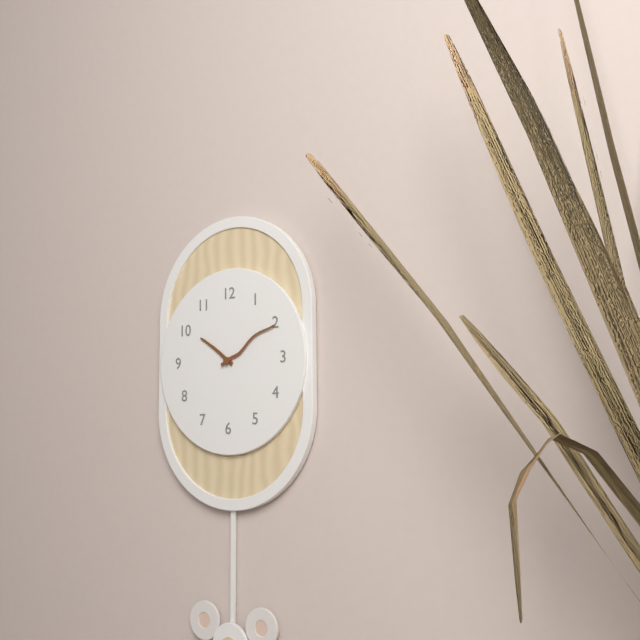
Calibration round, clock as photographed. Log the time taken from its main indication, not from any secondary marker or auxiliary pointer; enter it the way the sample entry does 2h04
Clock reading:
10h10
